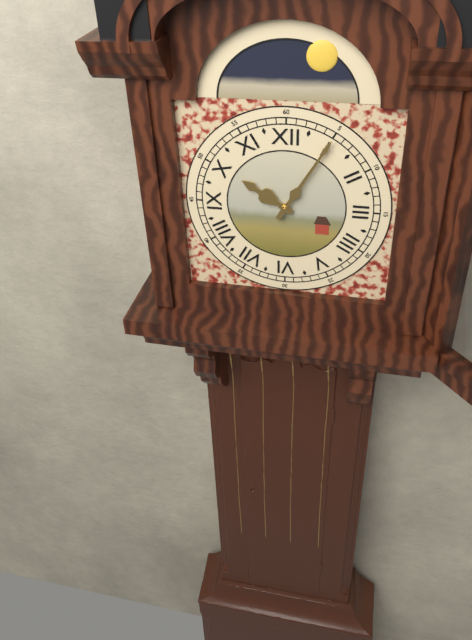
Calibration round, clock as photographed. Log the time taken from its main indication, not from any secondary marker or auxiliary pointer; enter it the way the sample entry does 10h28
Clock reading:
10h05
